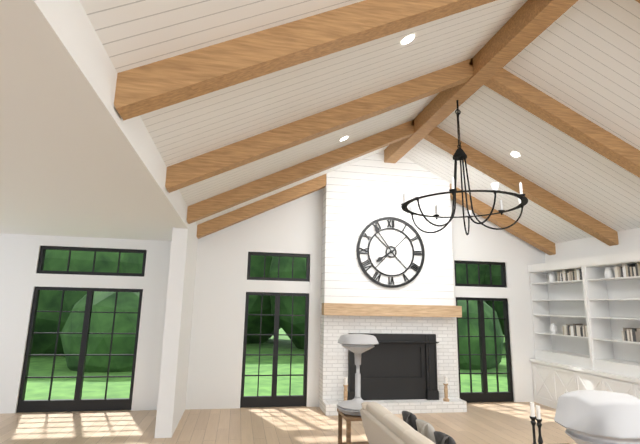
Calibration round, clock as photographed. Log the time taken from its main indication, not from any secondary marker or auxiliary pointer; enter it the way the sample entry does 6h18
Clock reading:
7h54
